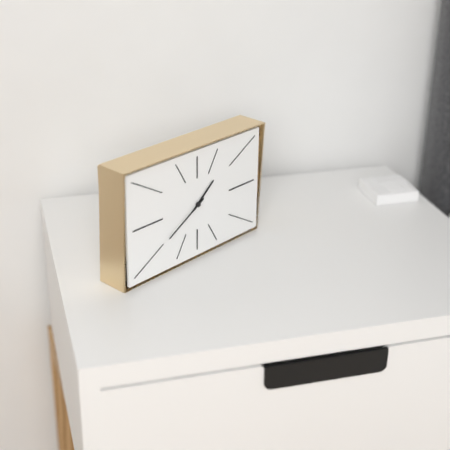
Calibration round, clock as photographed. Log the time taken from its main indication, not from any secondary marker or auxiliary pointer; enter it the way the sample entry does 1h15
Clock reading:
1h40
